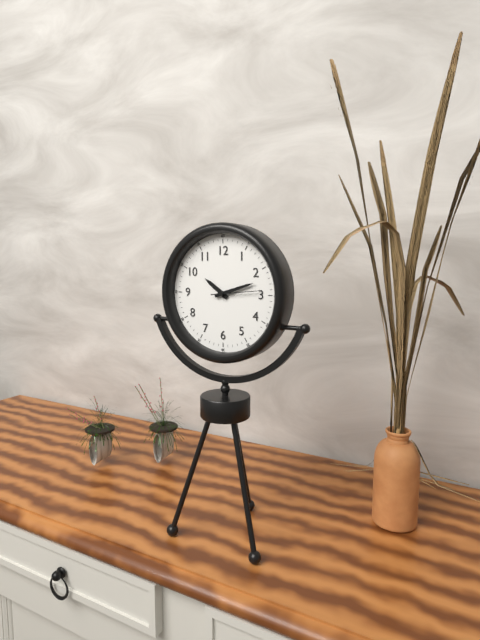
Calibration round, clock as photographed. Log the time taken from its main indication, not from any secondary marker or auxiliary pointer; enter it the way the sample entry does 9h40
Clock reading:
10h12
